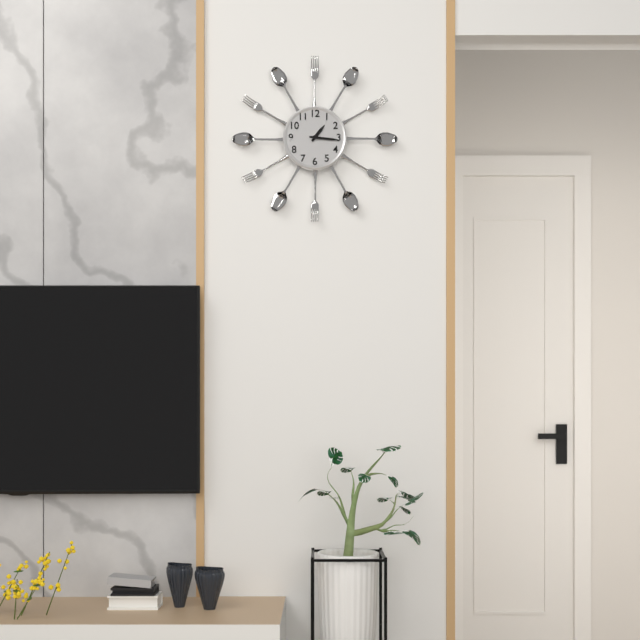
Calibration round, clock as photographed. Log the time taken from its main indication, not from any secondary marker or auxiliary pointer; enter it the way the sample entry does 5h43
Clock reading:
1h16
